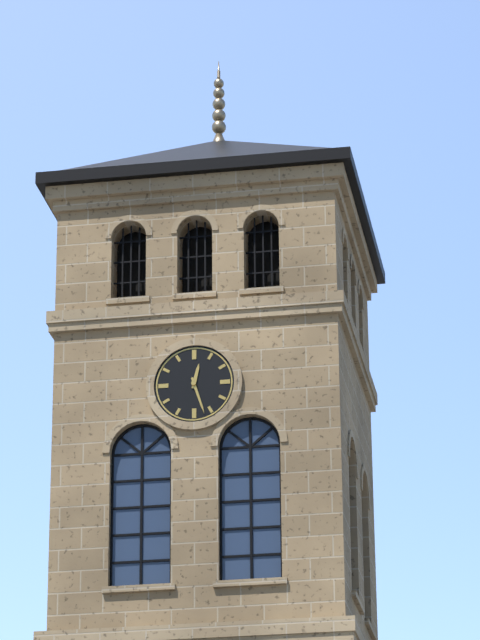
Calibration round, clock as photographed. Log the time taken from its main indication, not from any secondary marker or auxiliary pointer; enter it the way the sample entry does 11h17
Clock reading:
12h27
